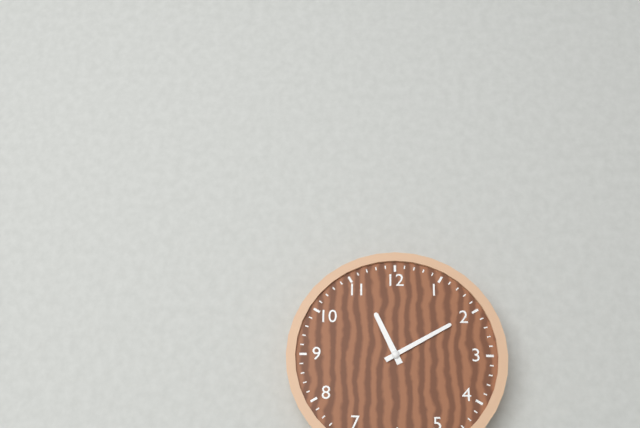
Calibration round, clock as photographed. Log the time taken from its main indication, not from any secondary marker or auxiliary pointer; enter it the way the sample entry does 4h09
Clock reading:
11h10
